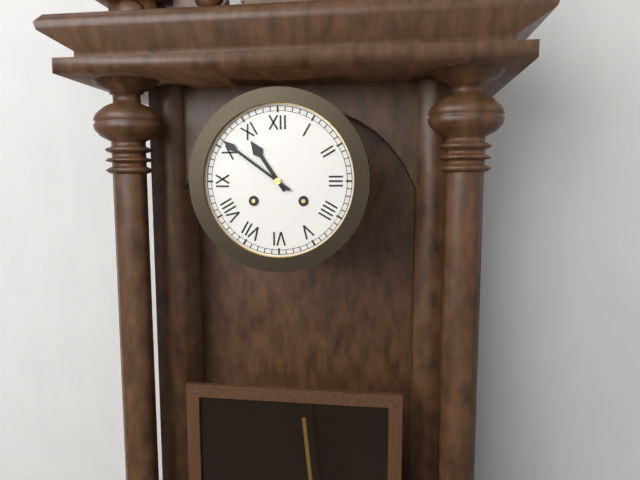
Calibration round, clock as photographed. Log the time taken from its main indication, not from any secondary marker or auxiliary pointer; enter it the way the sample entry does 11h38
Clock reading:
10h51
